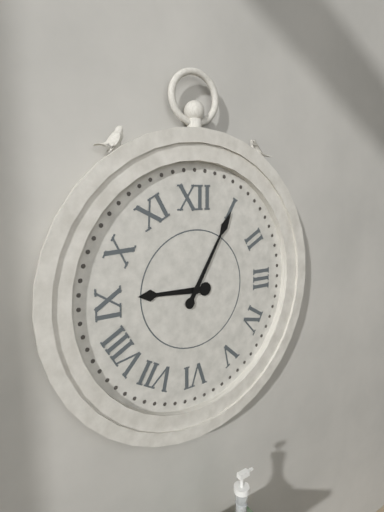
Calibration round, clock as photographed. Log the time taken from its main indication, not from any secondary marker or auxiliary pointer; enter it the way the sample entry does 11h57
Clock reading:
9h05
